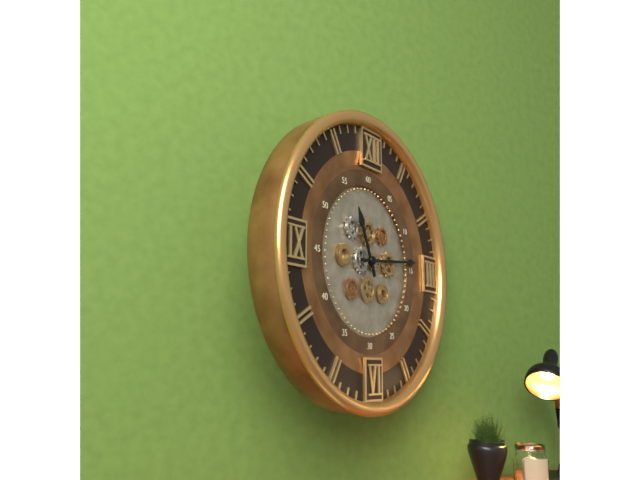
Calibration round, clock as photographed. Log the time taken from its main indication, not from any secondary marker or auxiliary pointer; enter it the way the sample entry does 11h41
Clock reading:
11h14
